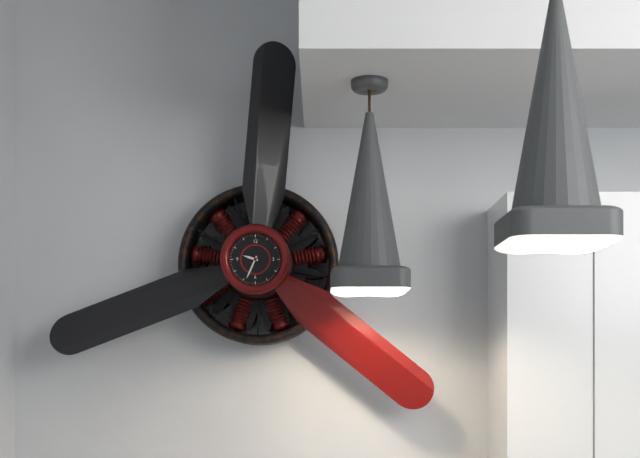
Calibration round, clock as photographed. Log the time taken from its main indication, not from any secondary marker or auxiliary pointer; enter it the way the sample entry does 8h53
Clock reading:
9h34
